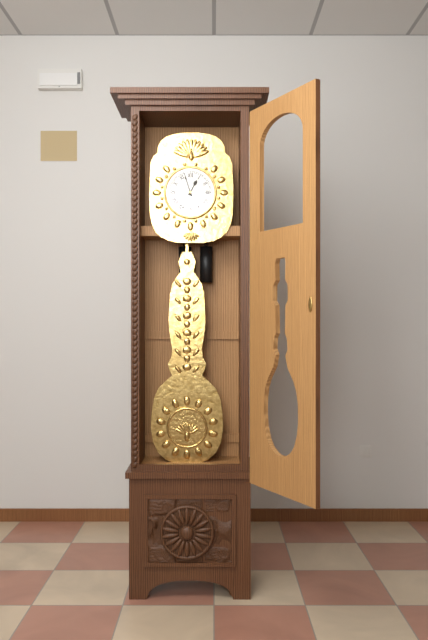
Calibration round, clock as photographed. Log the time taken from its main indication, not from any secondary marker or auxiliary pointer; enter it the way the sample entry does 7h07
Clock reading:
12h57
